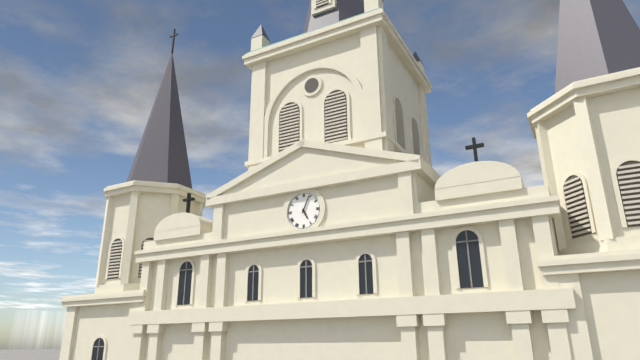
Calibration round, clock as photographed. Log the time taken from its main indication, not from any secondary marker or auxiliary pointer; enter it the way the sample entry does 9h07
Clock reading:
5h04
